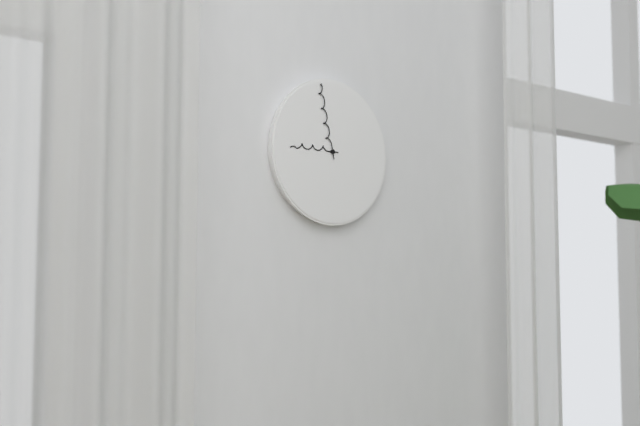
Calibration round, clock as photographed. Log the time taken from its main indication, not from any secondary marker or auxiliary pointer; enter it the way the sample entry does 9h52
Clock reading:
8h58
